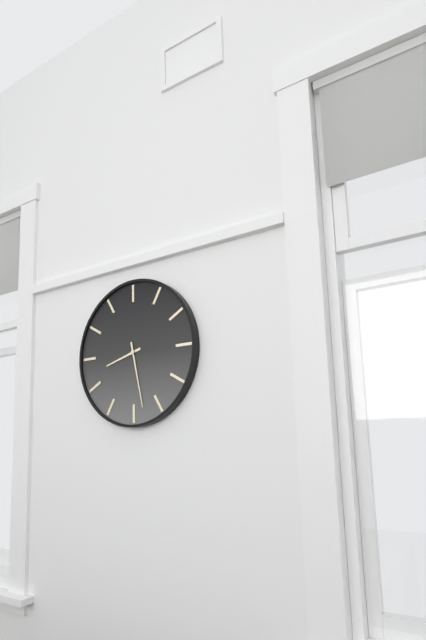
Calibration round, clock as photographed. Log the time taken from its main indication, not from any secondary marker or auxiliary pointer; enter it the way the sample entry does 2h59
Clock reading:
8h28
